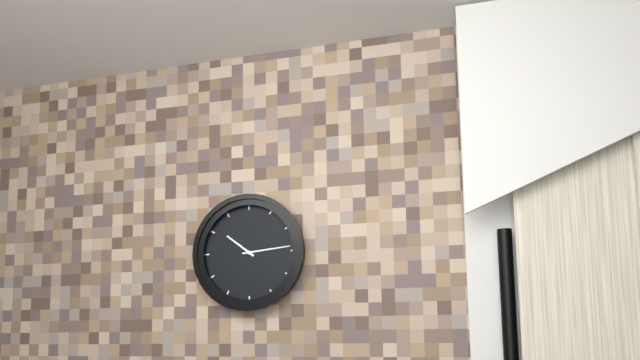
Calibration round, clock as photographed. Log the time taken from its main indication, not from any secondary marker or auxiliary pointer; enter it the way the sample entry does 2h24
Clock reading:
10h14
